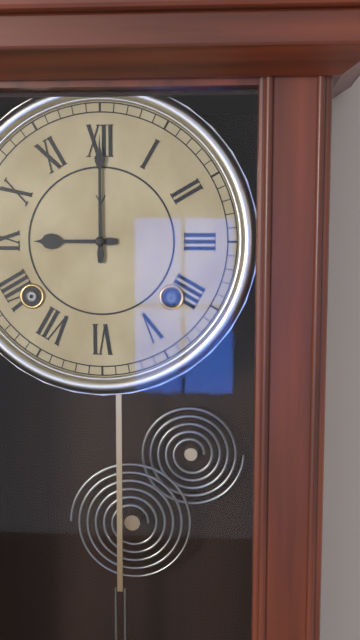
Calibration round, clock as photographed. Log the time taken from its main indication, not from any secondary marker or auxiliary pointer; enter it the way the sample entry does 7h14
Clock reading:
9h00
